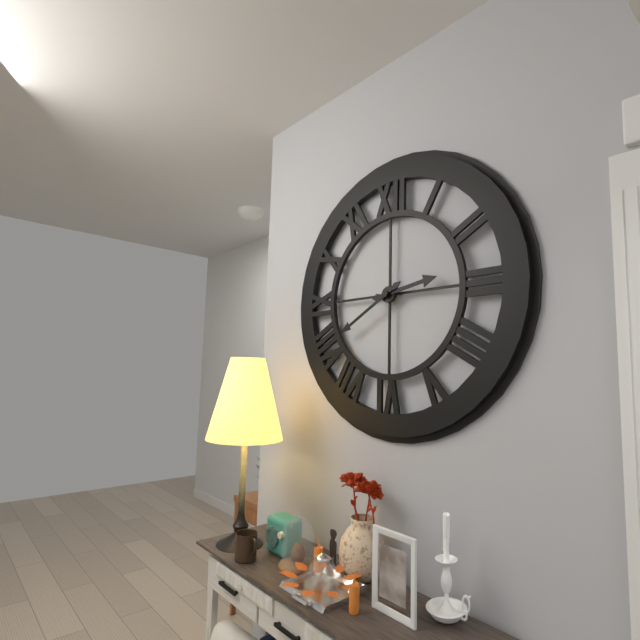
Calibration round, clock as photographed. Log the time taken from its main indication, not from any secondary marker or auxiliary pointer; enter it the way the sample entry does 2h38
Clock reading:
2h40
